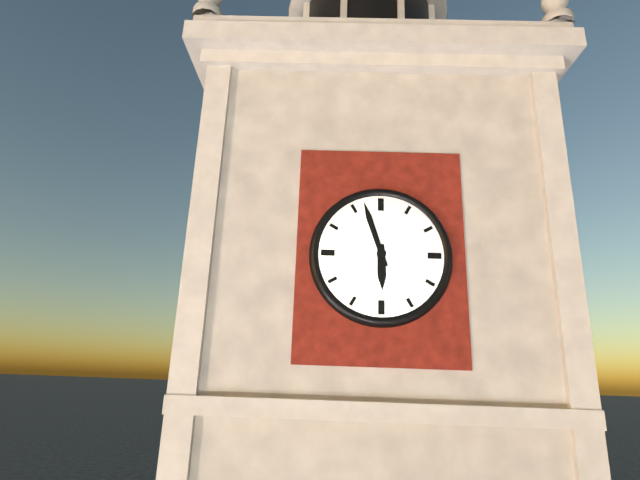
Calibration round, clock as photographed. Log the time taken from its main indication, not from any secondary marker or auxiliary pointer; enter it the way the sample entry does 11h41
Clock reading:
5h57
